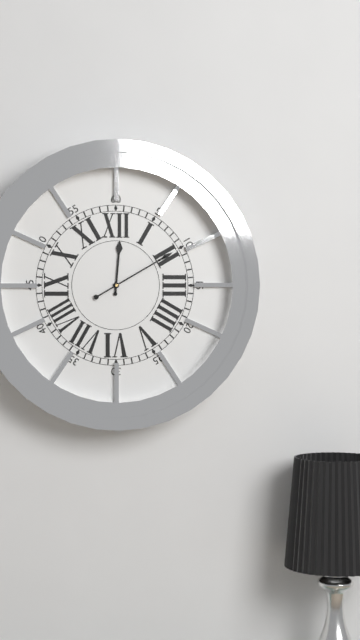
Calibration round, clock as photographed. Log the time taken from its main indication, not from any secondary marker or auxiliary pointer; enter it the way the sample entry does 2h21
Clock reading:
12h10
